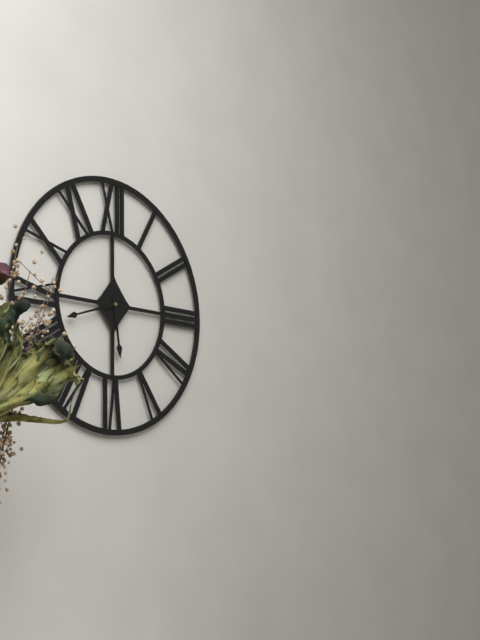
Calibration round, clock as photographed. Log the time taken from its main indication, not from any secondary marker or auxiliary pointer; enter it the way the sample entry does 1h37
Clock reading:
5h42
